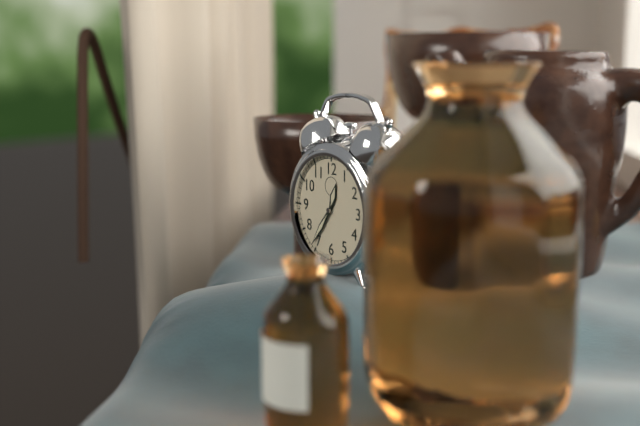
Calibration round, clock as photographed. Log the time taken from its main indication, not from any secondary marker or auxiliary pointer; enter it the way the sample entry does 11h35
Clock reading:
12h36
